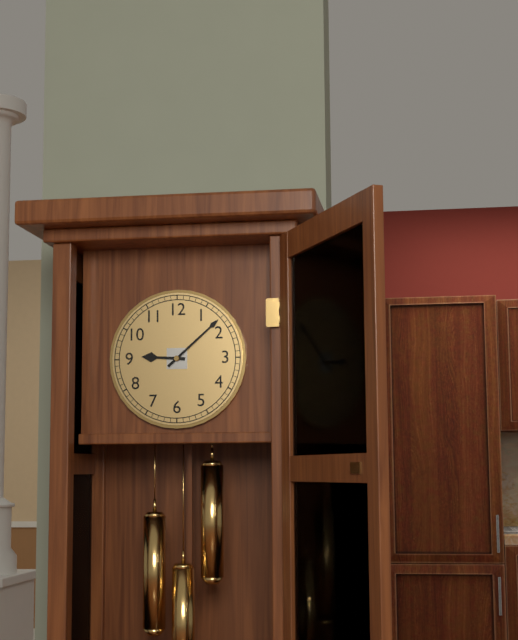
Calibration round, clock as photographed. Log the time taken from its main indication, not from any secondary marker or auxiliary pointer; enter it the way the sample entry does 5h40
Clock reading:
9h08
